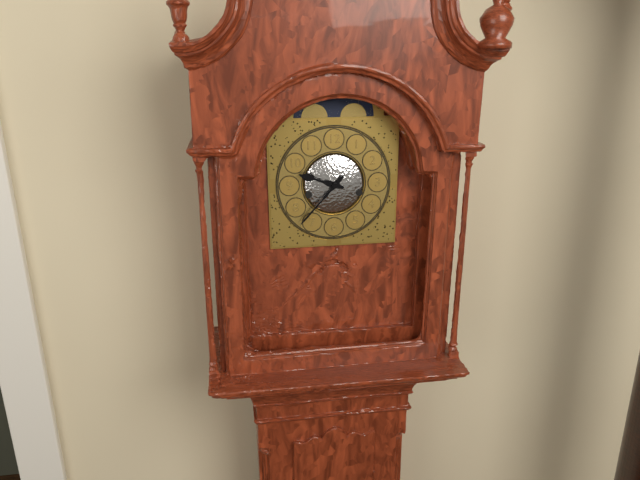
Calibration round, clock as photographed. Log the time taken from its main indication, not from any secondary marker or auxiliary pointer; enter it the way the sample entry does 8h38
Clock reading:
9h37
